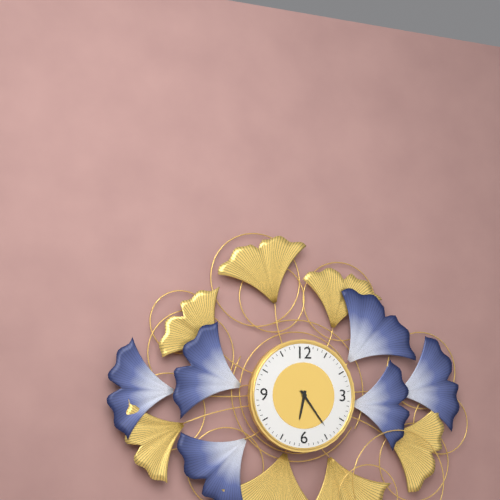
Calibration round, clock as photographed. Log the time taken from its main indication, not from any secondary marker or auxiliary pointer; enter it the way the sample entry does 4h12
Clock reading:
6h24
